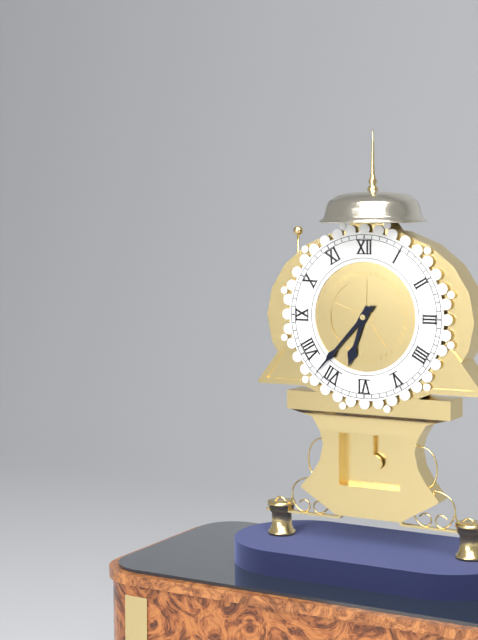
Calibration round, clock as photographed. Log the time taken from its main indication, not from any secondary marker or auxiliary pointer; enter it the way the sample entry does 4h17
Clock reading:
6h37
